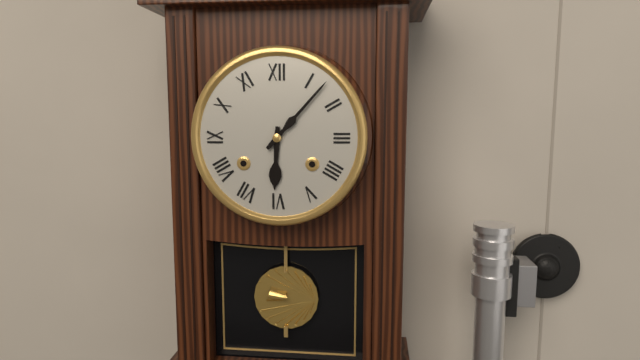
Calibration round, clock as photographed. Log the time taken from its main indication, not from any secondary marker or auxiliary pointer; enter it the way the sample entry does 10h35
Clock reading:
6h07
